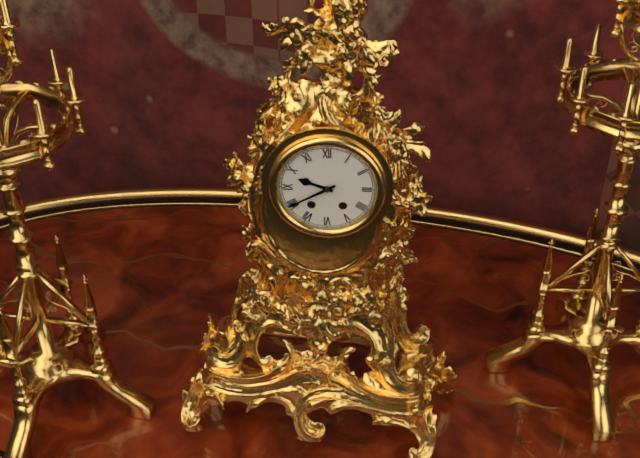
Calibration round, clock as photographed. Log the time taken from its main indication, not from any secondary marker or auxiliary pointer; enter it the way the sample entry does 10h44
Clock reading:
9h40
